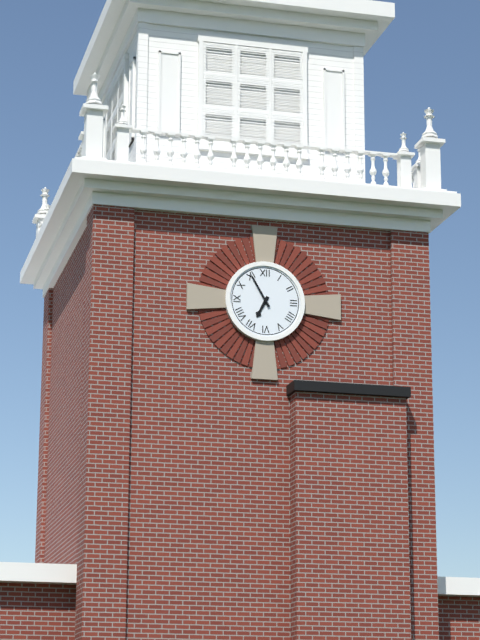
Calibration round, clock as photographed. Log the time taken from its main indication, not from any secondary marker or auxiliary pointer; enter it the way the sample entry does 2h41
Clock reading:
6h55
